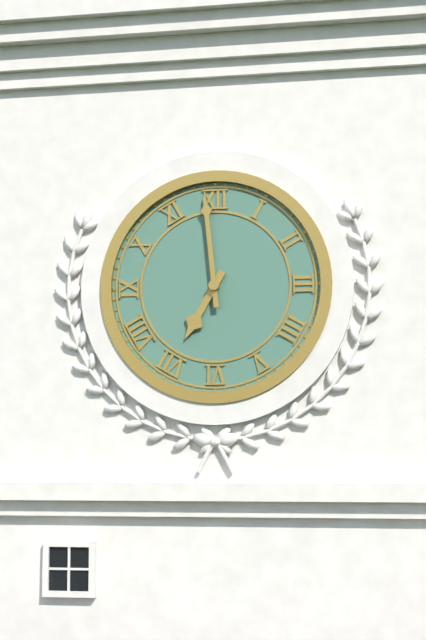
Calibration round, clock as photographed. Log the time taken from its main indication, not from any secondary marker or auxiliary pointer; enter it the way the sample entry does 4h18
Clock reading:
6h59
